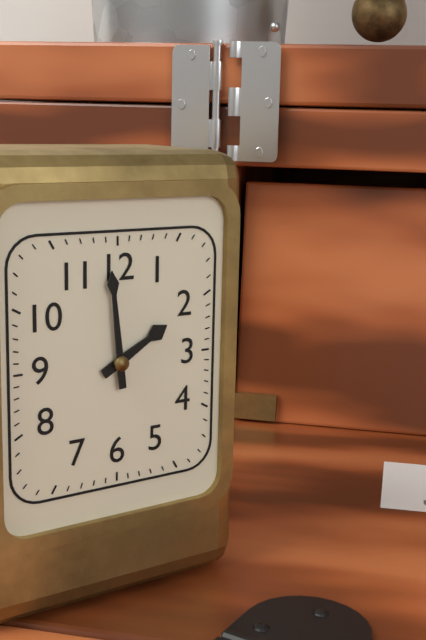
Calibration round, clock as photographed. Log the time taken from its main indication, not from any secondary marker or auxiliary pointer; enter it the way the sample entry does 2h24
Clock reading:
1h59
